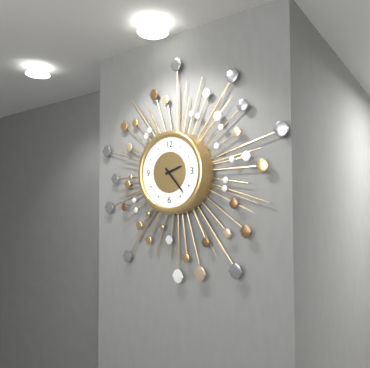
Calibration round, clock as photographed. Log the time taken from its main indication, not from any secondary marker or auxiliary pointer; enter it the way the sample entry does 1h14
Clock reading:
2h23
